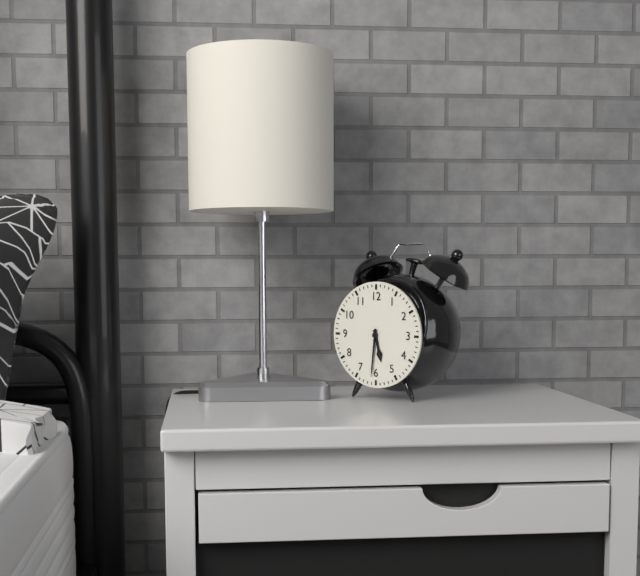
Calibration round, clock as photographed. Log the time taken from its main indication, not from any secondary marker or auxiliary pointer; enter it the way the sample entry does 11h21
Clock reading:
5h31
